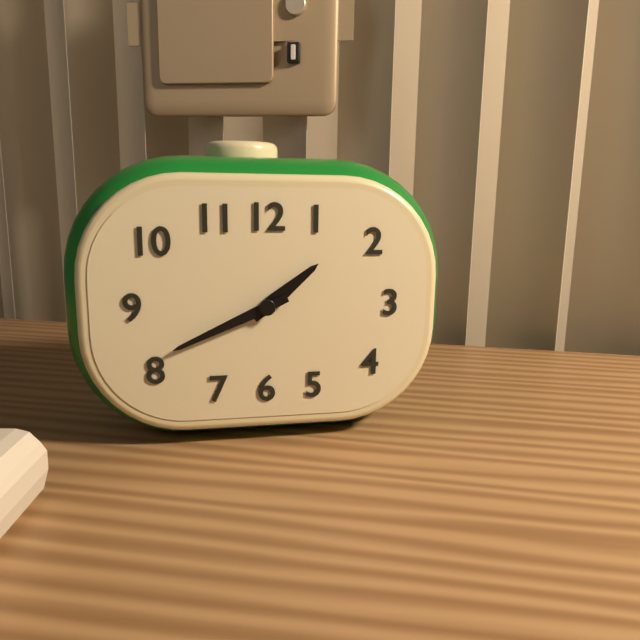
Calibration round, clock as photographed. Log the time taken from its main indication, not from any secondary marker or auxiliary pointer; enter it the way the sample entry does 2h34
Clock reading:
1h41
